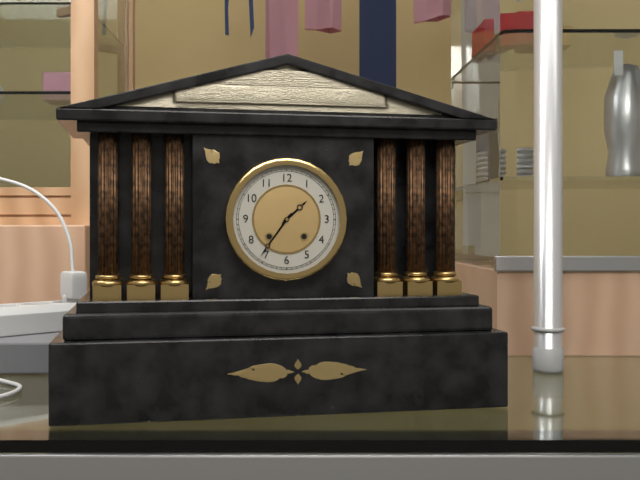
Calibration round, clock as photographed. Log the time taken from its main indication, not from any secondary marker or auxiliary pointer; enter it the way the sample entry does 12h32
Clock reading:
1h36
